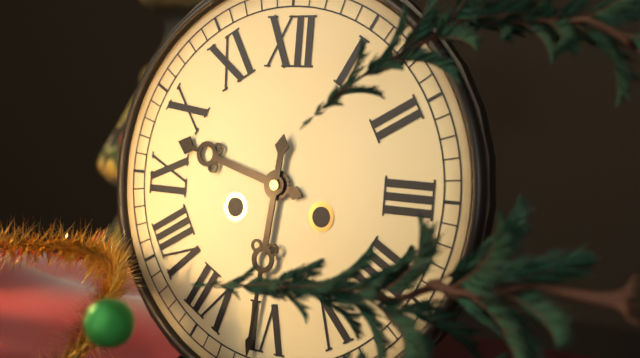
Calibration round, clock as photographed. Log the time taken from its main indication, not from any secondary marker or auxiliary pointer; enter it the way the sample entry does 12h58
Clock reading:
9h31
